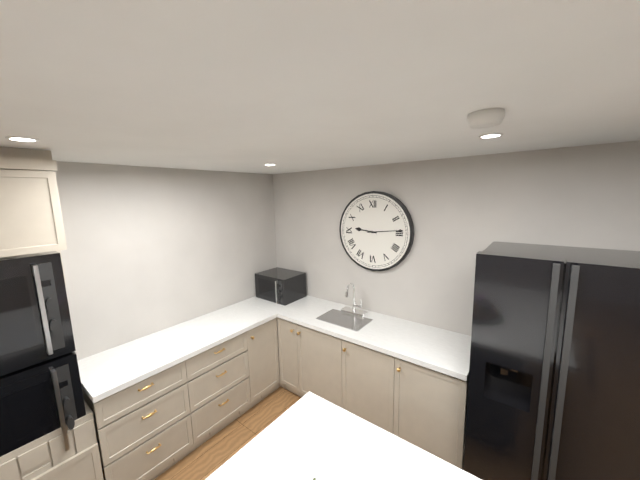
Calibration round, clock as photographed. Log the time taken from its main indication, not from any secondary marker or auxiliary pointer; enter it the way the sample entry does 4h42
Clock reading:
9h14
